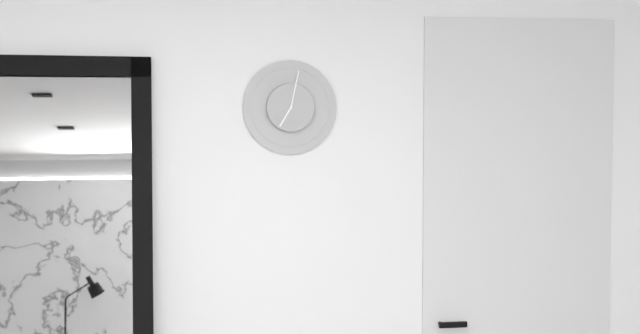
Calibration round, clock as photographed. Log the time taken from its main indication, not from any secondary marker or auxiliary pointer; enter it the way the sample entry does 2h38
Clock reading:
7h02
